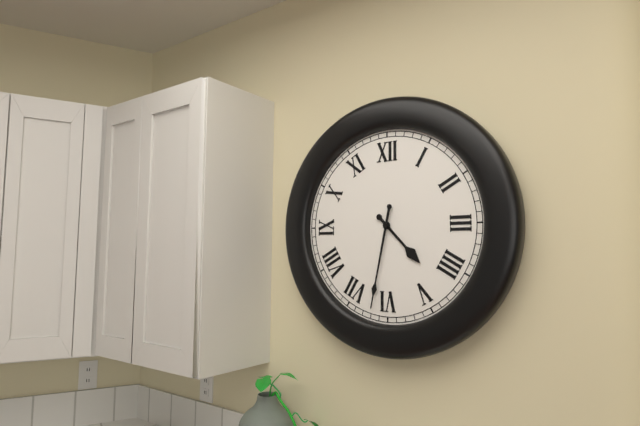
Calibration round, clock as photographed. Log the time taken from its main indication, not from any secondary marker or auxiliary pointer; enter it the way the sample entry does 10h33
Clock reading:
4h32
